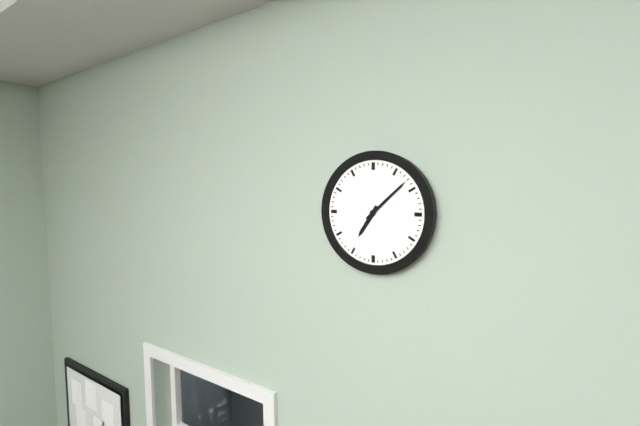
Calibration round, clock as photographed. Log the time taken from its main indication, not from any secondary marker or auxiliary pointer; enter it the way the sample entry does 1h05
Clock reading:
7h08
